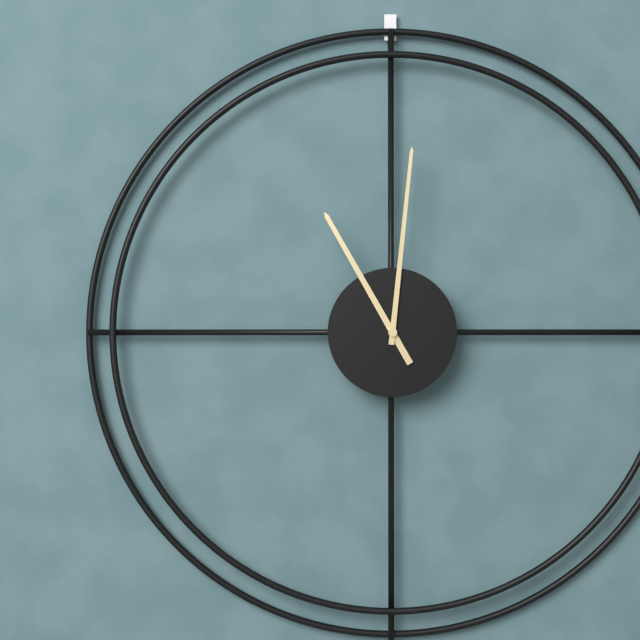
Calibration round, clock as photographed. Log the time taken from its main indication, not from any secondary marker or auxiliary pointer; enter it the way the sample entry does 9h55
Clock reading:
11h01
